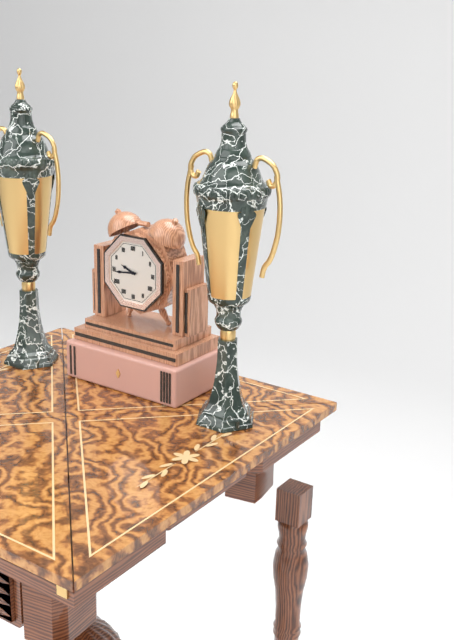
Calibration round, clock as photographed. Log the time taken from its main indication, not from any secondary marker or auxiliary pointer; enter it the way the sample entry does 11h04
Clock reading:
9h44
